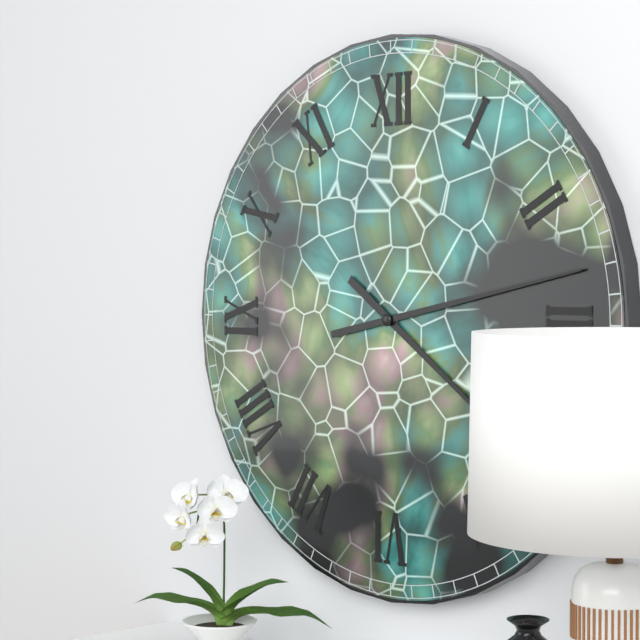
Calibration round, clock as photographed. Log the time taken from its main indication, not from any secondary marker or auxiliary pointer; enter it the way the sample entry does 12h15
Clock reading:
4h13
